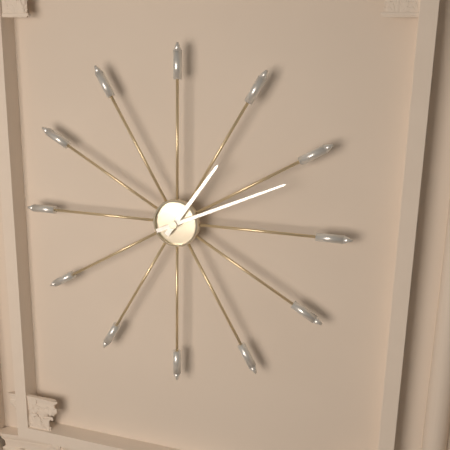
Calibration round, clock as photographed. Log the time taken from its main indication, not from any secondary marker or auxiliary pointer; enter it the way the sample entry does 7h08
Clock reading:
1h11
